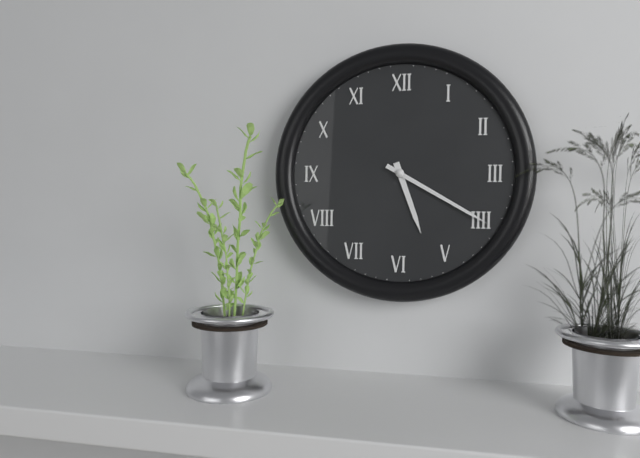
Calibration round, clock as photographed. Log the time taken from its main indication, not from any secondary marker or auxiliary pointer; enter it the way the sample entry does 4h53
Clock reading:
5h20
